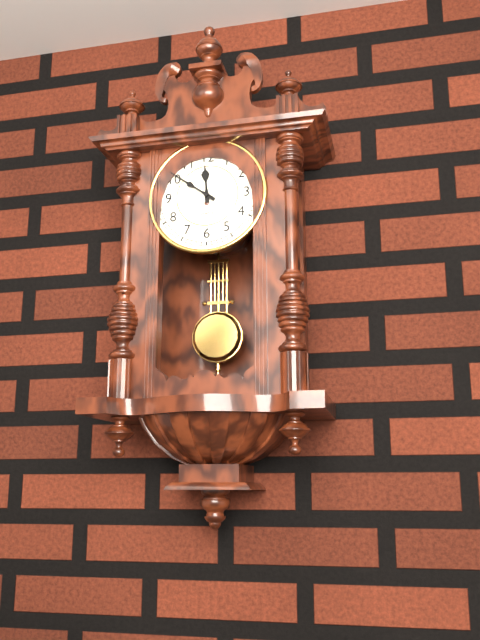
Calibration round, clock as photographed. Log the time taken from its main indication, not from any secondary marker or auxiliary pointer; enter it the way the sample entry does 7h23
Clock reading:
11h51
